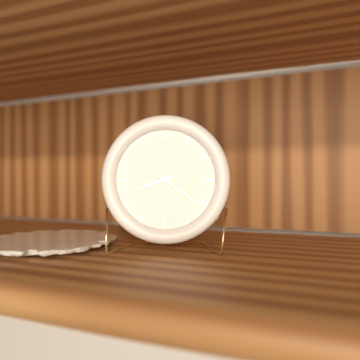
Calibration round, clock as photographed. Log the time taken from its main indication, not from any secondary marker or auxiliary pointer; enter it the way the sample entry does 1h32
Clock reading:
8h21
